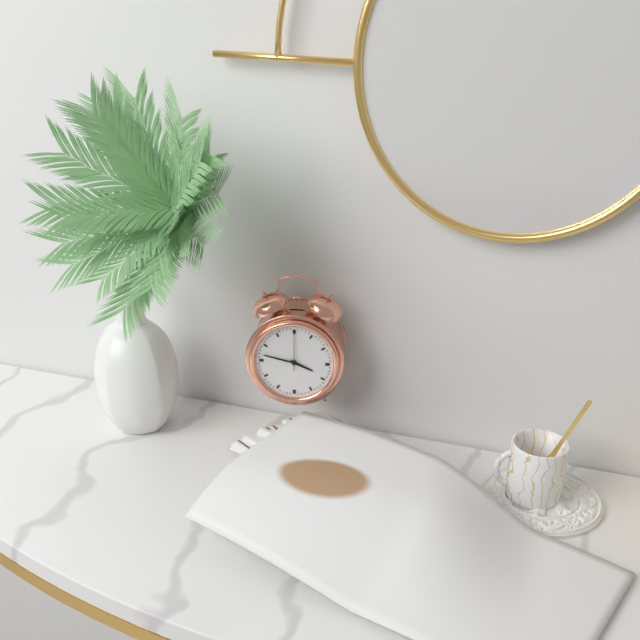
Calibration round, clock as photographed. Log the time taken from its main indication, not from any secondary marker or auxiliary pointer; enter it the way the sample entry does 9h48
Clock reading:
3h47
